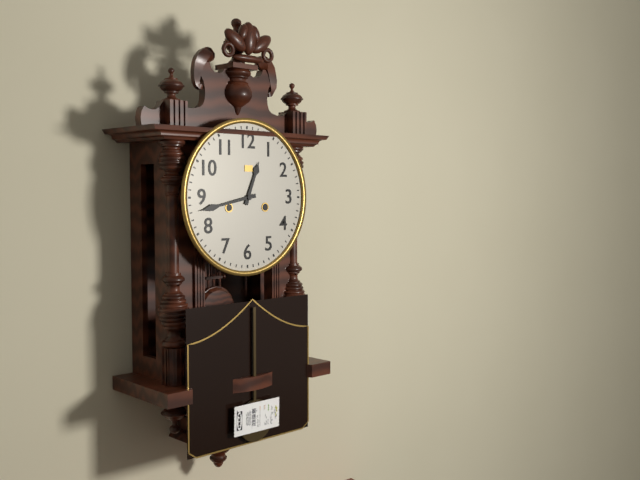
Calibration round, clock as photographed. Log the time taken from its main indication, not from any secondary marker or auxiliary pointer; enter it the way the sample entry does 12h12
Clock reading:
12h43
